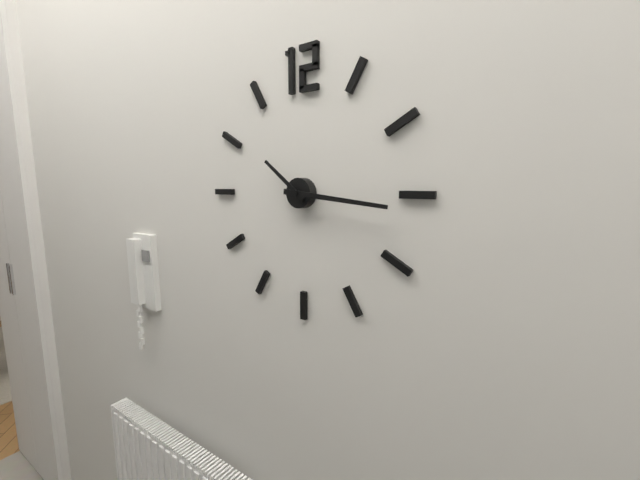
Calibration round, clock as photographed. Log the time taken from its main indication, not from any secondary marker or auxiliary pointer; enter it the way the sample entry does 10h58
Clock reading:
10h16
